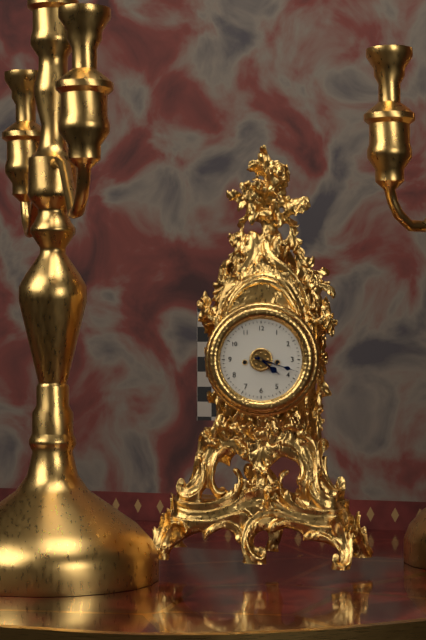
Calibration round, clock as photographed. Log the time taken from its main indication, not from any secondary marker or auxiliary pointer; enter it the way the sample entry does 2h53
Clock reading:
4h18
